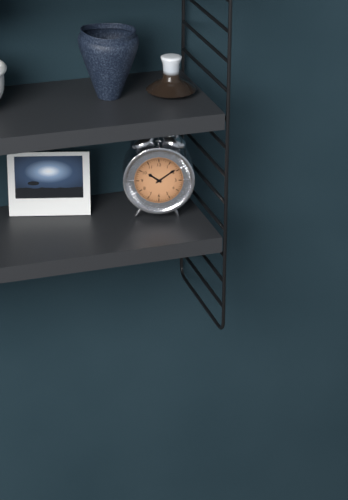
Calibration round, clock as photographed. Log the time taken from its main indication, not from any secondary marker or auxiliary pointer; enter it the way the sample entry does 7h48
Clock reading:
10h09
